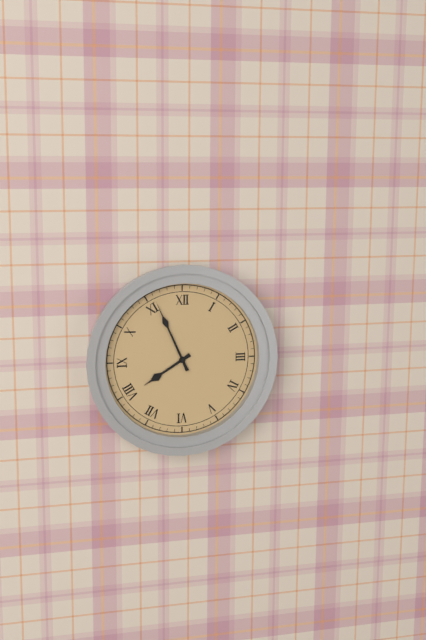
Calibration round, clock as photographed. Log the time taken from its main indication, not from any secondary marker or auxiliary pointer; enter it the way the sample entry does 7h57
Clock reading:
7h56
